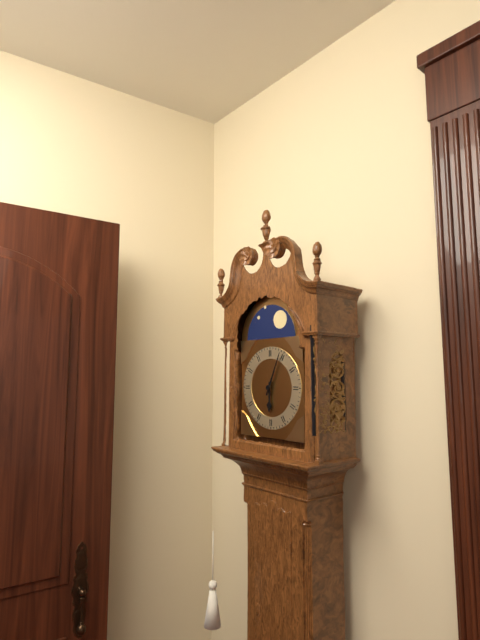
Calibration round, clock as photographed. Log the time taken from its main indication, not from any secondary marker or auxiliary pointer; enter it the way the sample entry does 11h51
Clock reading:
6h04
